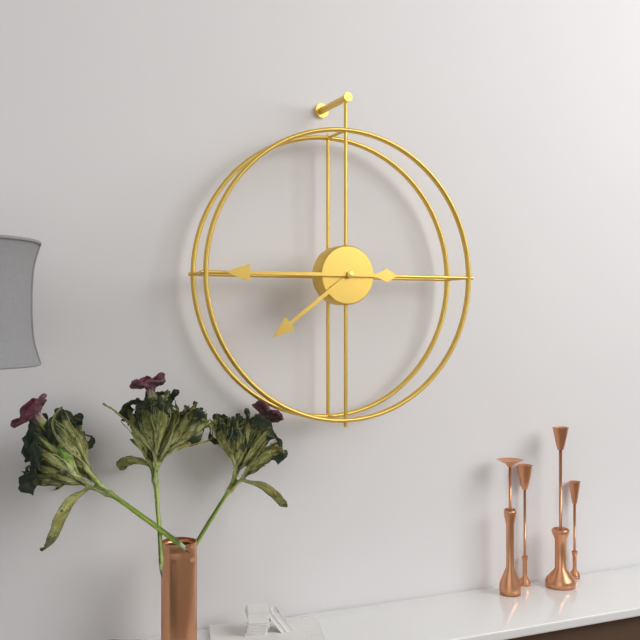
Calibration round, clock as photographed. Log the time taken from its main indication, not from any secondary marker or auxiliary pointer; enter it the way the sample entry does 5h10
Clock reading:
7h45
